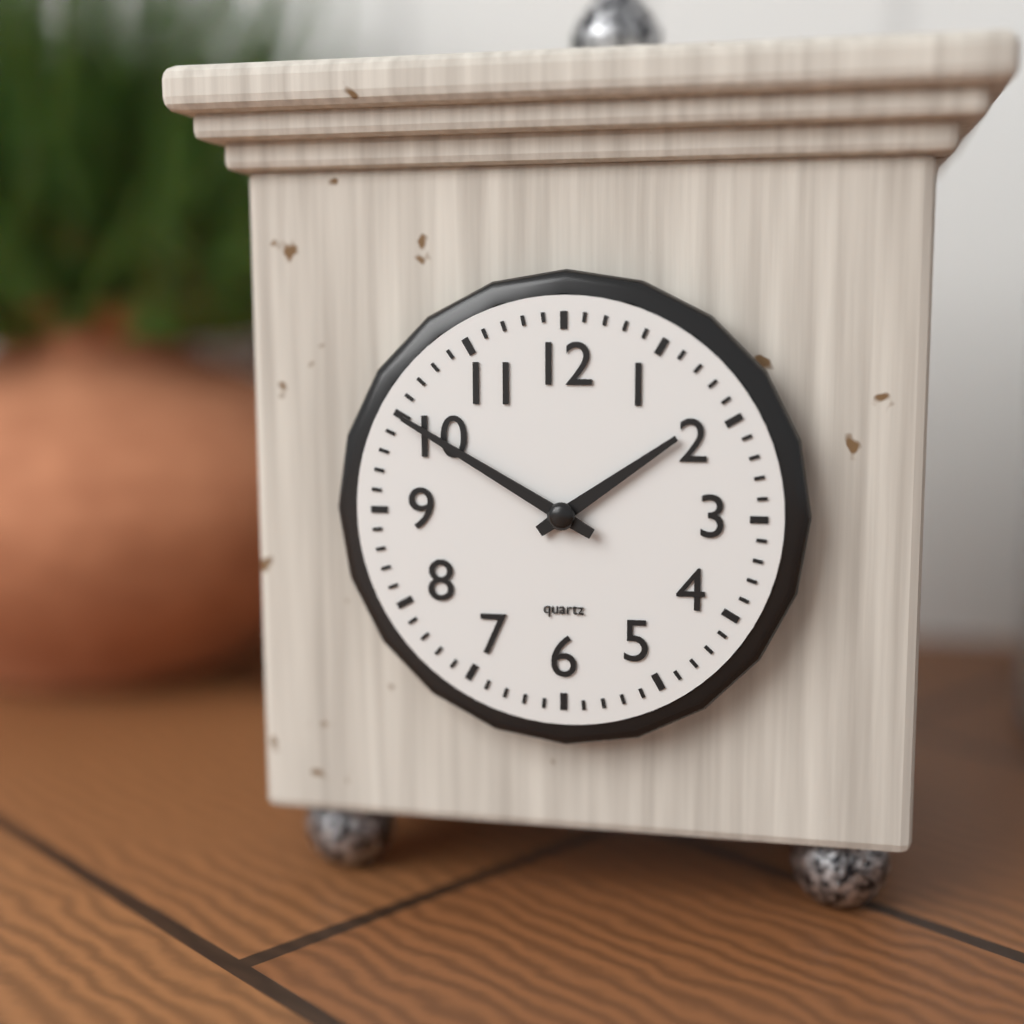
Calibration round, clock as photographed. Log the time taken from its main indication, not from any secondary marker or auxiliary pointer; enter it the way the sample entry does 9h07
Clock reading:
1h50
